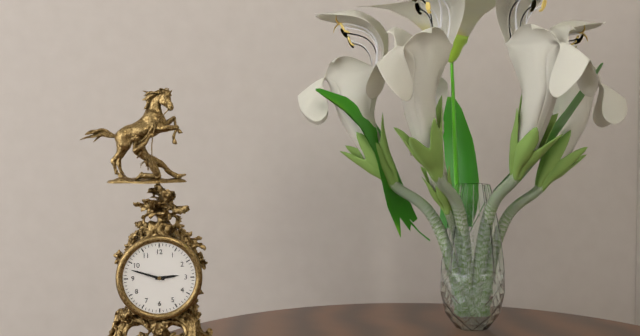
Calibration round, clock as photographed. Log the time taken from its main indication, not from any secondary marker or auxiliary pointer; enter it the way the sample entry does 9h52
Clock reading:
2h48
